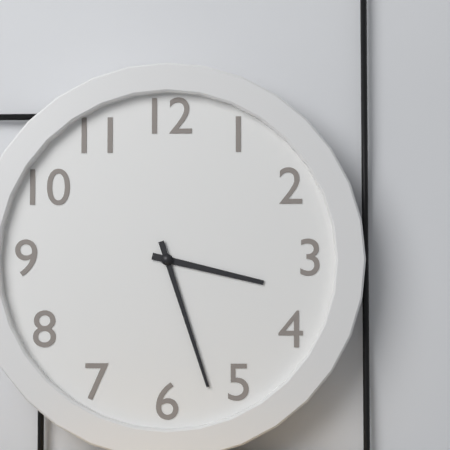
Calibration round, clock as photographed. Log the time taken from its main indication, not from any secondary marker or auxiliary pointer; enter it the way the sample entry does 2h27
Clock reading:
3h27
